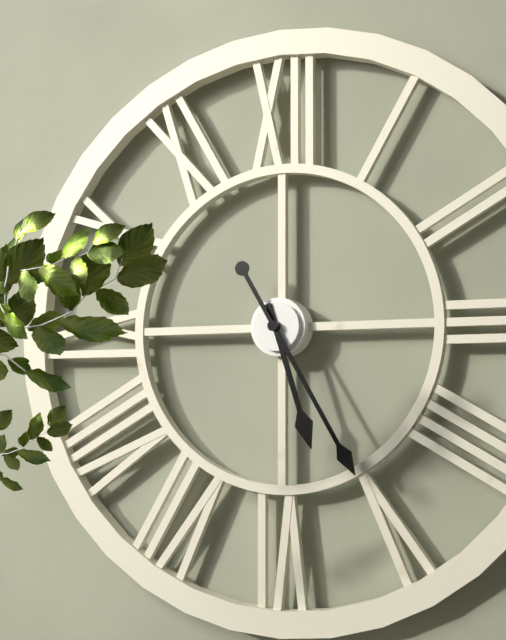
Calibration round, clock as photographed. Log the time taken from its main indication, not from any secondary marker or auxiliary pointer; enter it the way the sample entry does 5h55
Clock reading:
5h25
